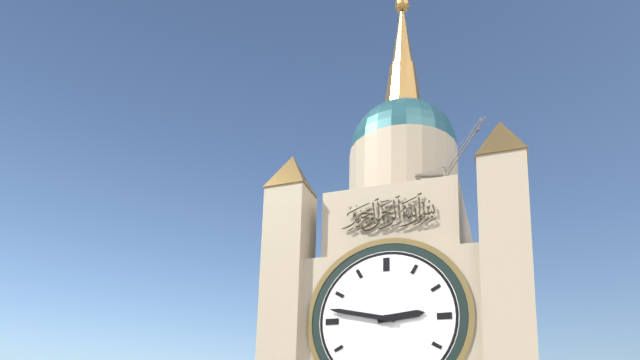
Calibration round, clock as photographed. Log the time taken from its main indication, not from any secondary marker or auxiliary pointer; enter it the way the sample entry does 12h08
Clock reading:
2h47
